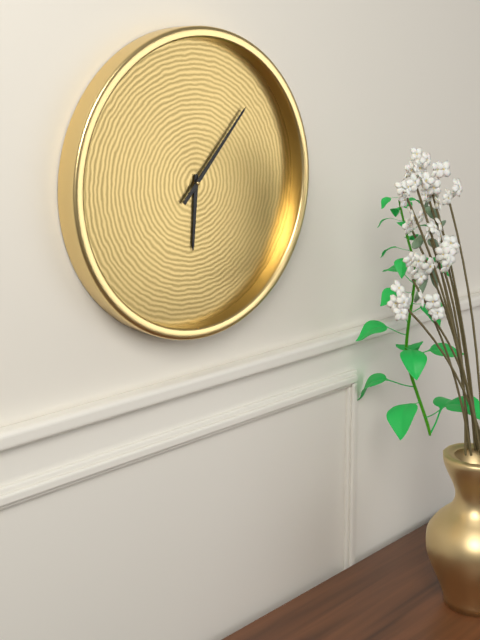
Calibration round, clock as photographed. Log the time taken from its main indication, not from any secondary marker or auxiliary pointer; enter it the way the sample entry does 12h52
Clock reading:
6h07
